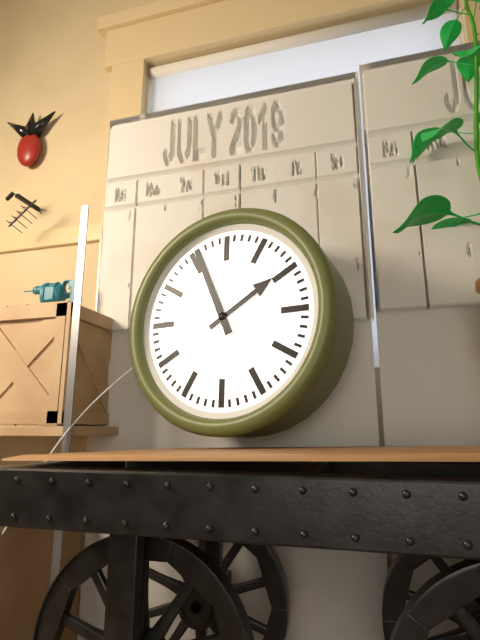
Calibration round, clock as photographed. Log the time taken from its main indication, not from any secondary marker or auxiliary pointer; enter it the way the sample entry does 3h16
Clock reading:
1h56
